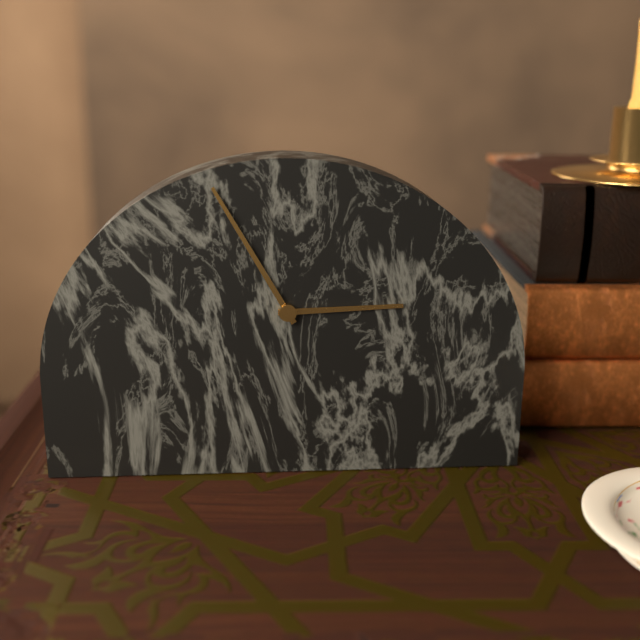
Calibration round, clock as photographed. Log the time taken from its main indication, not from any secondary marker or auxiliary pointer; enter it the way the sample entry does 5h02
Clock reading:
2h55
